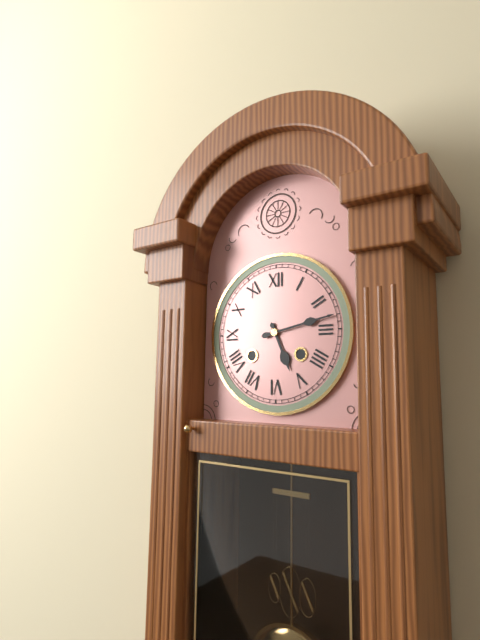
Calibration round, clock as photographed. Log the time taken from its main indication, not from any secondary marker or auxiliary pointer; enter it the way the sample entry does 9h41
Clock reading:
5h13
